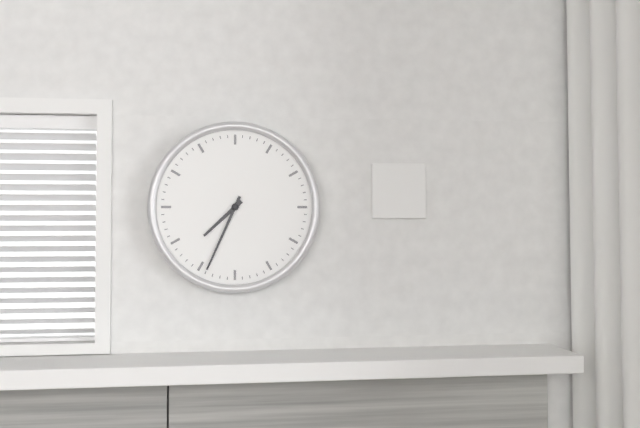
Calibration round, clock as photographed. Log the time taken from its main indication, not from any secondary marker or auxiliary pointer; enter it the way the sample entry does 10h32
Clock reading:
7h34
